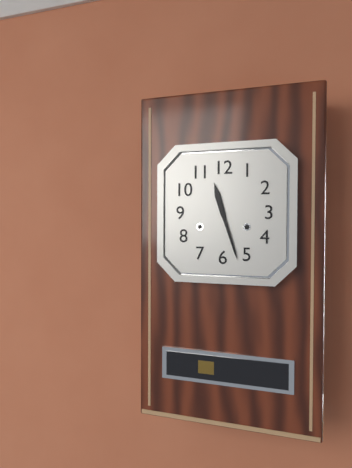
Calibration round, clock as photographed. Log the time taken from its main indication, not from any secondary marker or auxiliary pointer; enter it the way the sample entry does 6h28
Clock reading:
11h27
